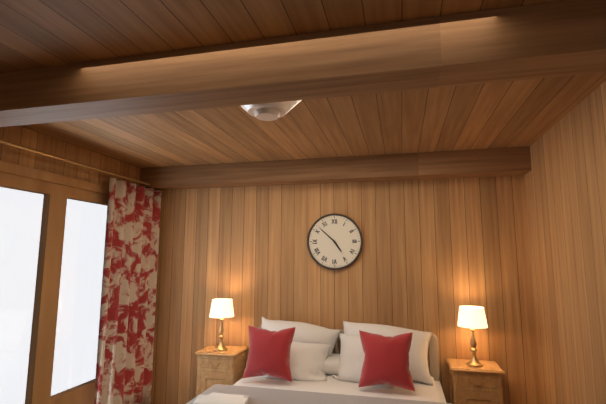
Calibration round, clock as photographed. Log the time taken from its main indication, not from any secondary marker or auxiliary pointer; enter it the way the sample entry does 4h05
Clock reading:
4h52
